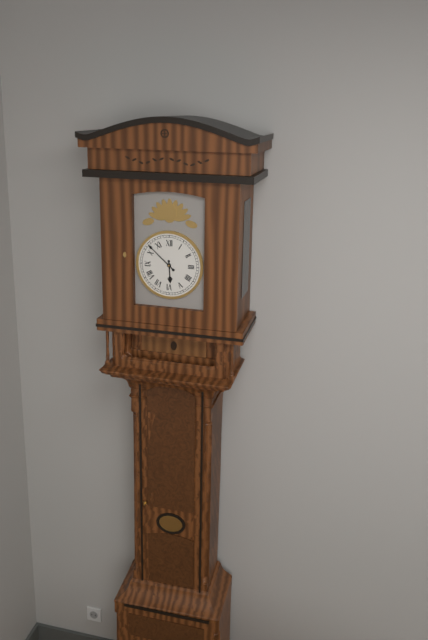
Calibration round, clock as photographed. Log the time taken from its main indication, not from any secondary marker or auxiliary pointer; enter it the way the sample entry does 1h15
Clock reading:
5h52
